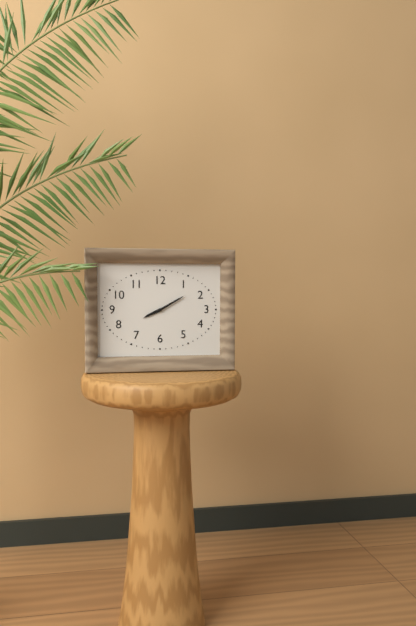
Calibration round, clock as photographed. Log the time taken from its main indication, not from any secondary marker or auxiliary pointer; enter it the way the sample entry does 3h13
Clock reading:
8h10
